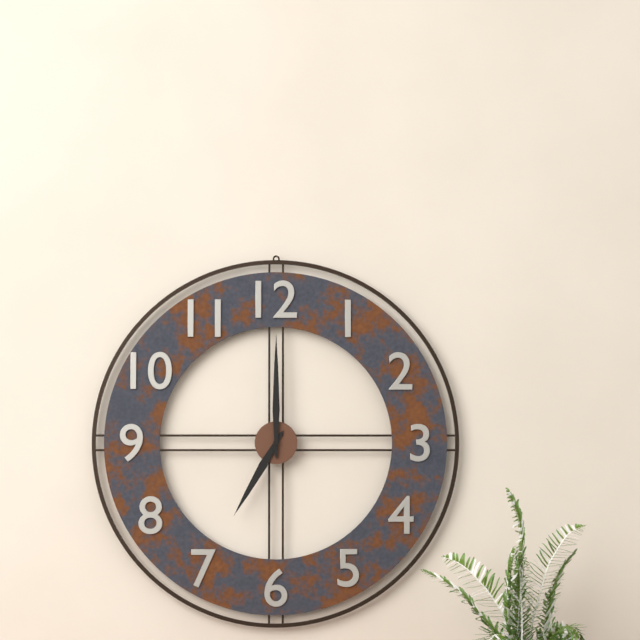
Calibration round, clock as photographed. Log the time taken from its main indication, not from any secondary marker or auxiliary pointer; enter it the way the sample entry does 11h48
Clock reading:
7h00
